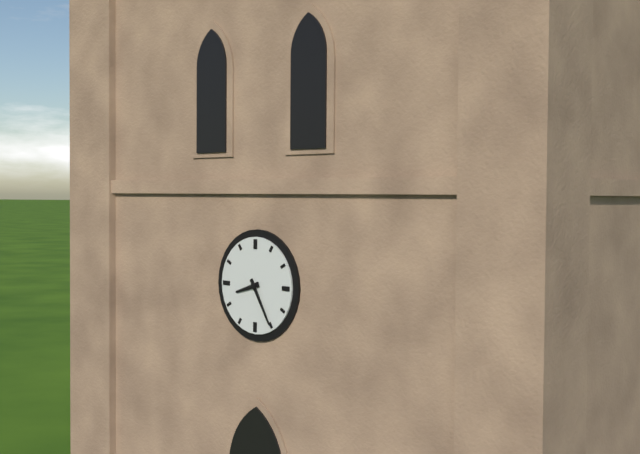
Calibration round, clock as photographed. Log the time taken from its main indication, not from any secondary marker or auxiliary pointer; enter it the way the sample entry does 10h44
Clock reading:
8h25
